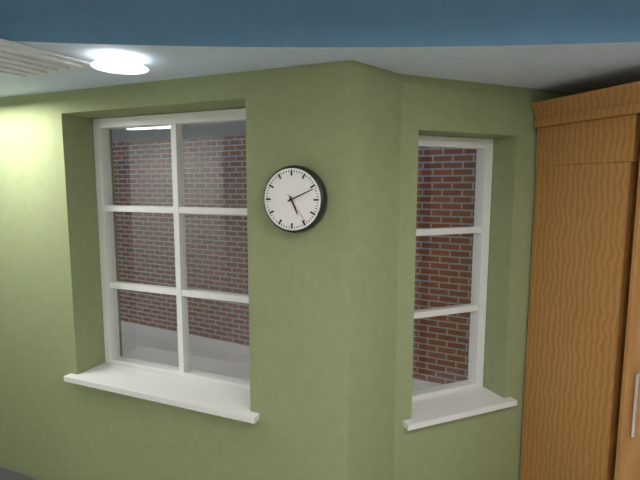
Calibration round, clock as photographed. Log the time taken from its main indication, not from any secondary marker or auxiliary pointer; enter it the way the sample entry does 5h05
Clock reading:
5h11
